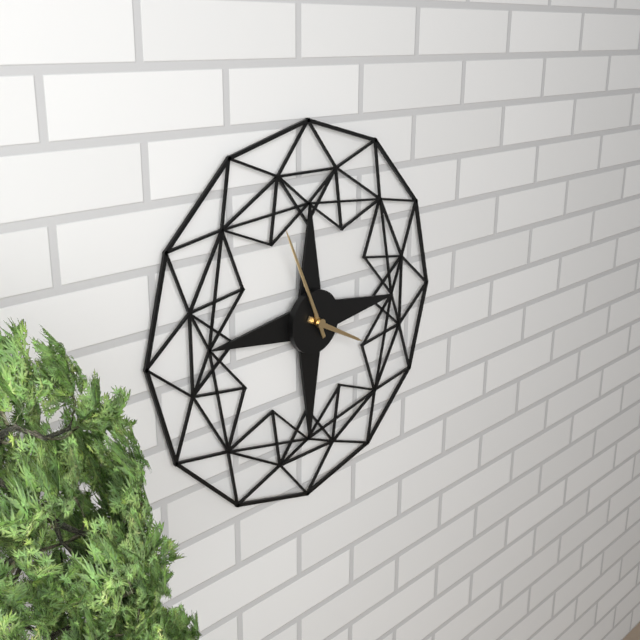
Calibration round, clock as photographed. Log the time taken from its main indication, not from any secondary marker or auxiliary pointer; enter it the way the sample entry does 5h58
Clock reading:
3h56
